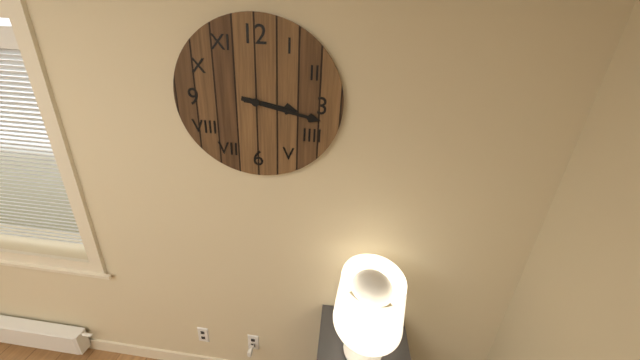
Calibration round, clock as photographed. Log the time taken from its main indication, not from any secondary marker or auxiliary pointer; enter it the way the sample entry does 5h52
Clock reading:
3h17
